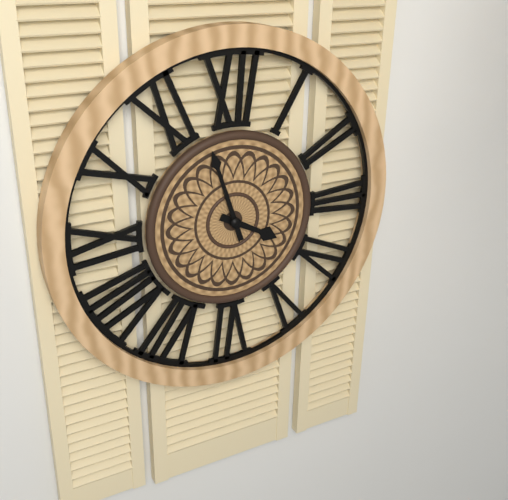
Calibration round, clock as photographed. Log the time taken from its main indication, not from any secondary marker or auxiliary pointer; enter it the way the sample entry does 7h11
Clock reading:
3h57
